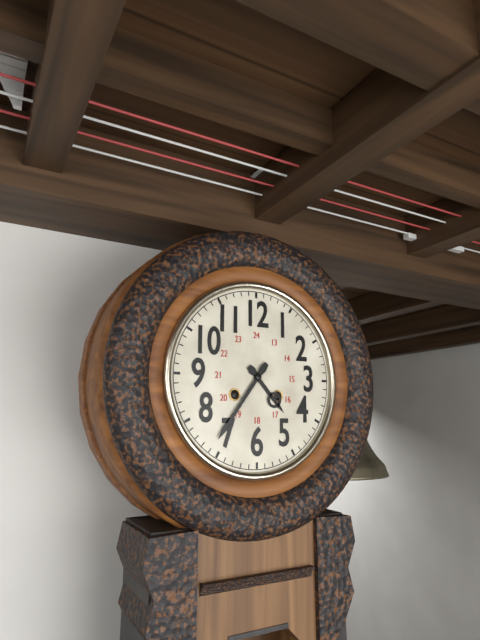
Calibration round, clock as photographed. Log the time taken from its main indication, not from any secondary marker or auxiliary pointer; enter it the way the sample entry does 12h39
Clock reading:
4h36
